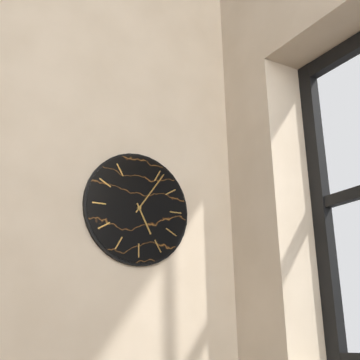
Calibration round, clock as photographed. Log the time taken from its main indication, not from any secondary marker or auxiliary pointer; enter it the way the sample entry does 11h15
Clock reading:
5h06
